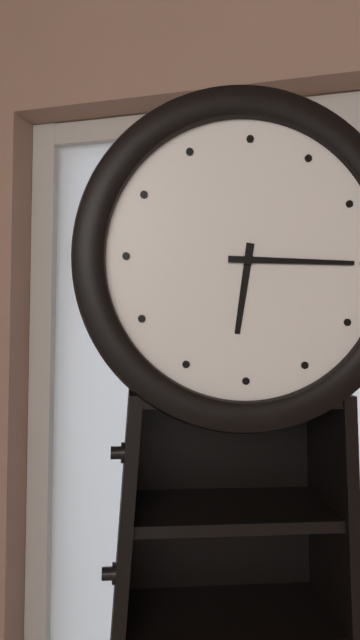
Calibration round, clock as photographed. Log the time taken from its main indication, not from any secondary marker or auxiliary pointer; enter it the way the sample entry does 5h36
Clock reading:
6h15
